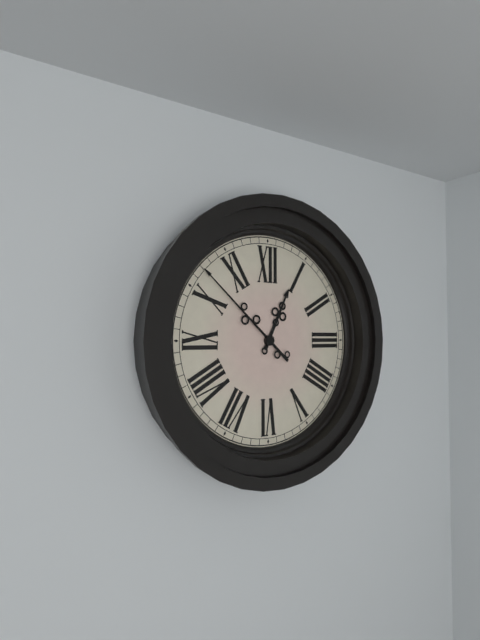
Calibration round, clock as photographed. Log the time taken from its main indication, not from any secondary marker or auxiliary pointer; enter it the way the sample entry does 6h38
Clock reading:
12h52
